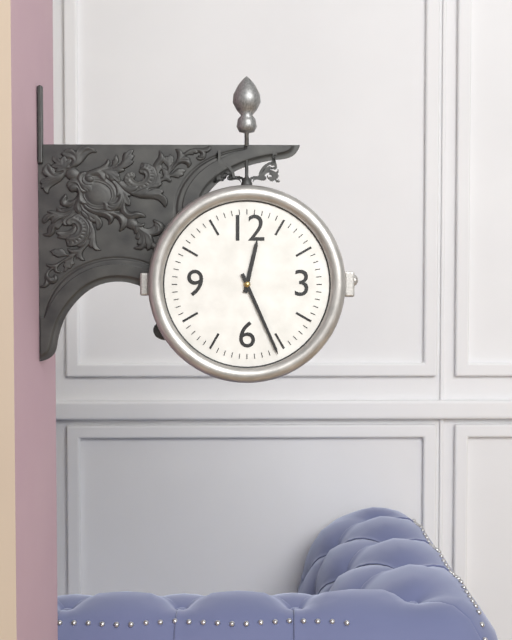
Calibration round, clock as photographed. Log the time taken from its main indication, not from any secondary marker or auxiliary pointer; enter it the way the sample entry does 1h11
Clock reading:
12h26
